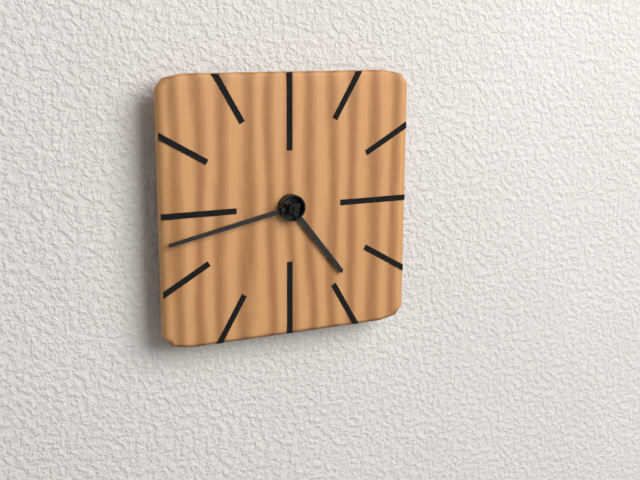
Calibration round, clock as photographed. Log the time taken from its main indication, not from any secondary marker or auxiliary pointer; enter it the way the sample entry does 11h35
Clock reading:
4h43
